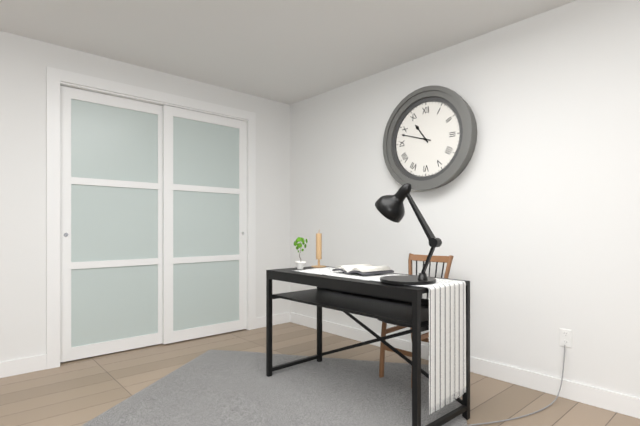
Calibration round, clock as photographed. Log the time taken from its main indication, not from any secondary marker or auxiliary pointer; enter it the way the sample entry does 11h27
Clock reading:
10h48
